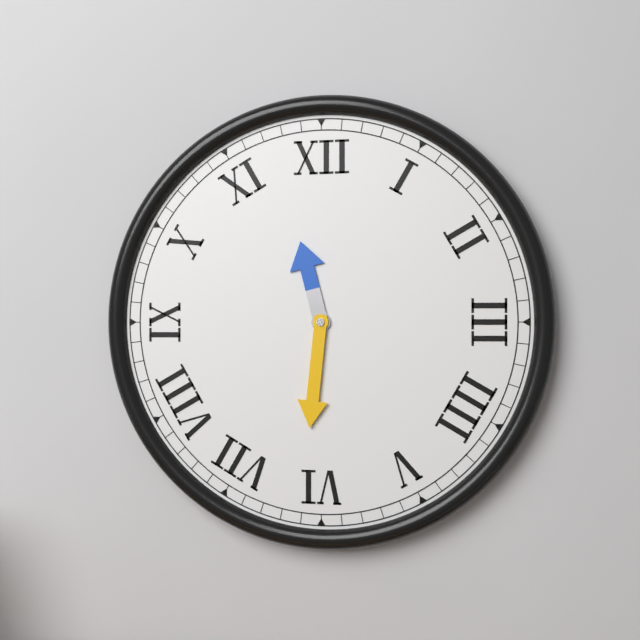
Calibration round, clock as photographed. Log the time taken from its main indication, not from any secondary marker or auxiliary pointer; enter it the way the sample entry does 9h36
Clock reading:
11h31
